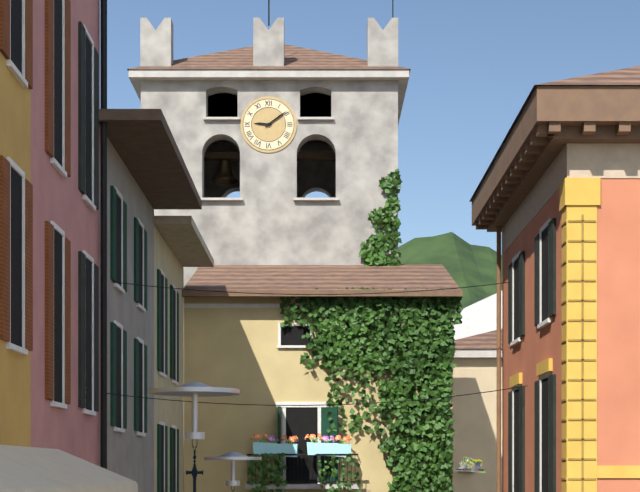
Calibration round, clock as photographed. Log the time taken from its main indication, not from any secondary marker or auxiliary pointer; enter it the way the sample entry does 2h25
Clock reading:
9h09
